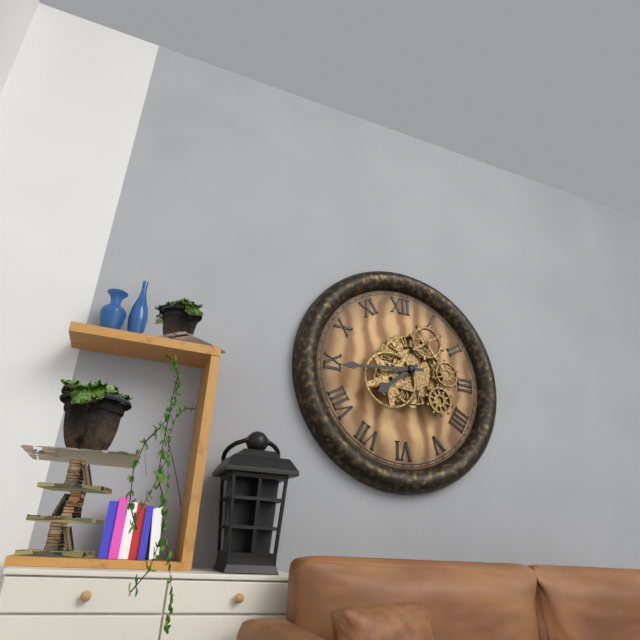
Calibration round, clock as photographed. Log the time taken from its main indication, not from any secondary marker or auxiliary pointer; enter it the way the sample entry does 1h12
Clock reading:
7h44
